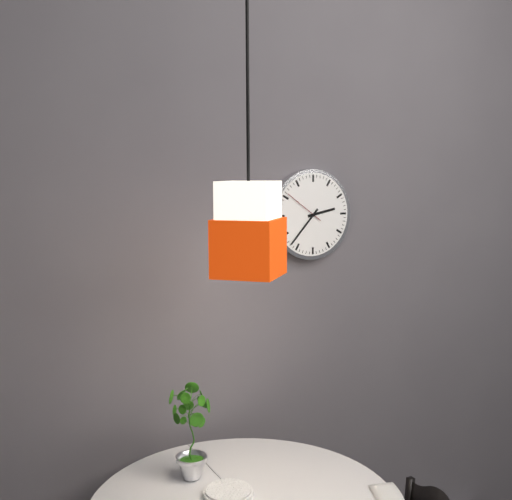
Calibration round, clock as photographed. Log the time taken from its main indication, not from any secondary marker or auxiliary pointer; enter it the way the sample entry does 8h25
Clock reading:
2h37
